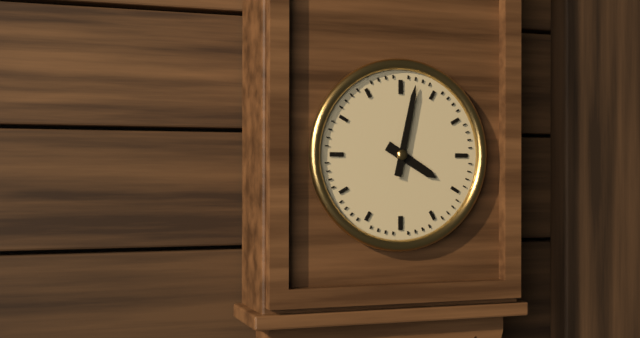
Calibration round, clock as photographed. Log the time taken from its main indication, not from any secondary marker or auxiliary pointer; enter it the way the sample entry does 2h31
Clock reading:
4h02
